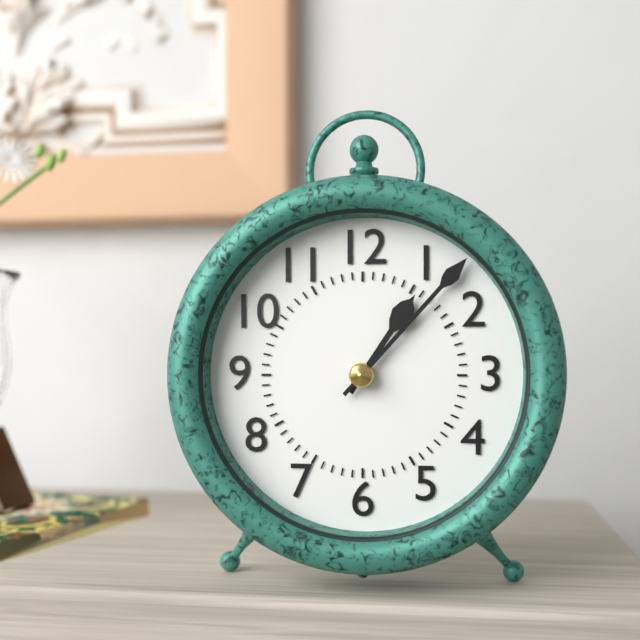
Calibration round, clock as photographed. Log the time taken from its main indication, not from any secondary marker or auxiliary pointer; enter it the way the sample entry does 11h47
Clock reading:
1h07
